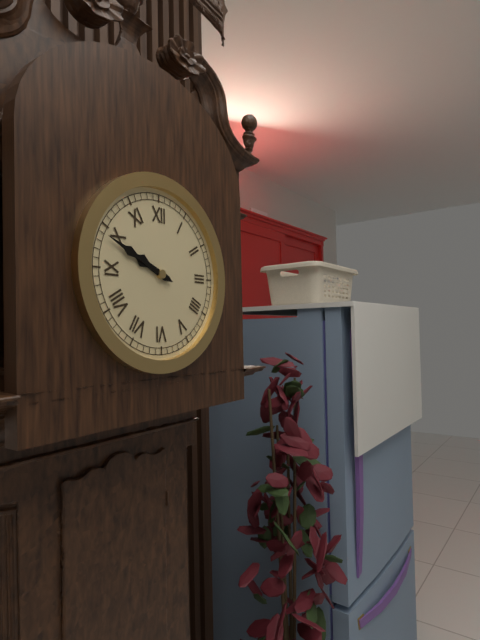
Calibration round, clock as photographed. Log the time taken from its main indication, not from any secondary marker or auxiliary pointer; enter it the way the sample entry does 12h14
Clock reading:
9h49
